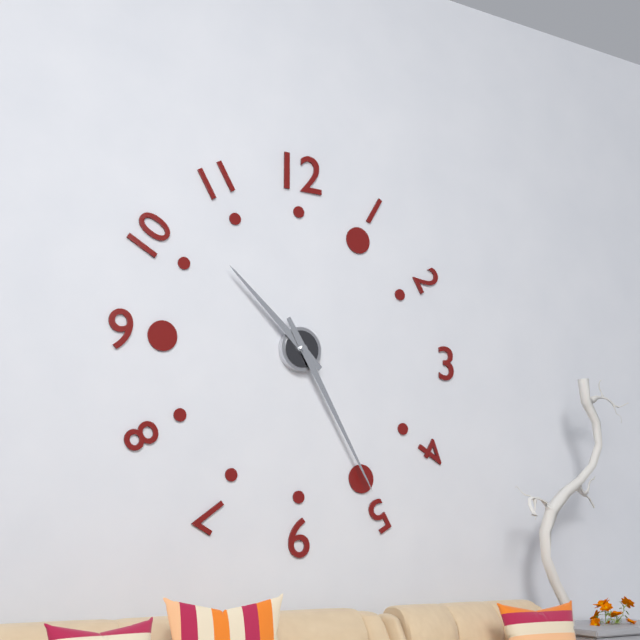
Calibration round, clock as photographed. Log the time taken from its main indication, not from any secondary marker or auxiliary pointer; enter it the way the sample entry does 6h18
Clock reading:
10h25
